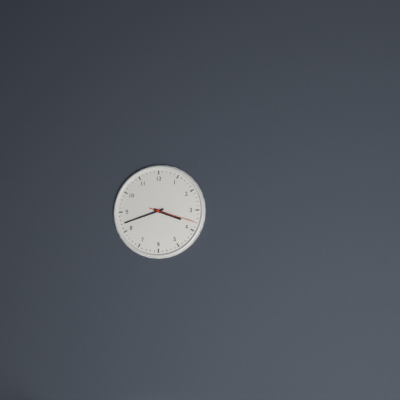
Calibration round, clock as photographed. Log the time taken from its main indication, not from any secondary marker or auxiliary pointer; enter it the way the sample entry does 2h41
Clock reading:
3h42
